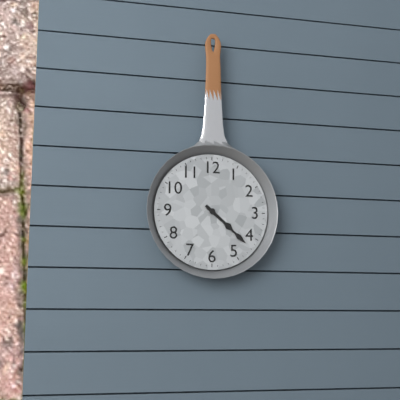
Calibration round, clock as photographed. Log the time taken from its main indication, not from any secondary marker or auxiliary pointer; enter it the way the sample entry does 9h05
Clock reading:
4h22
